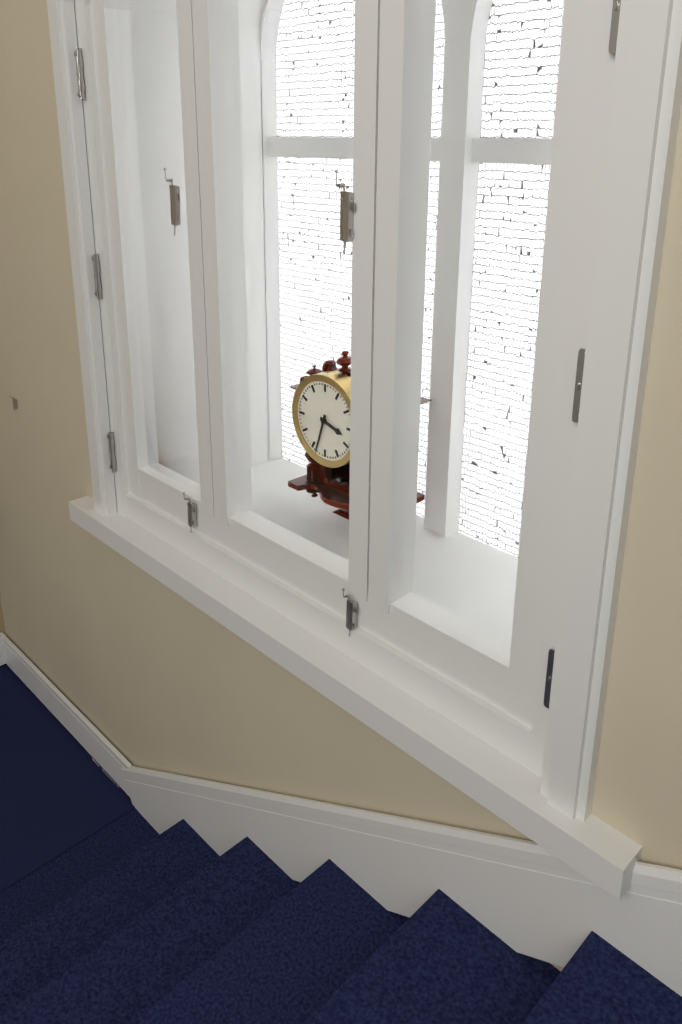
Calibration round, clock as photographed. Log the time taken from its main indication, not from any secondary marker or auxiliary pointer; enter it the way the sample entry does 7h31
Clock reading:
3h33
